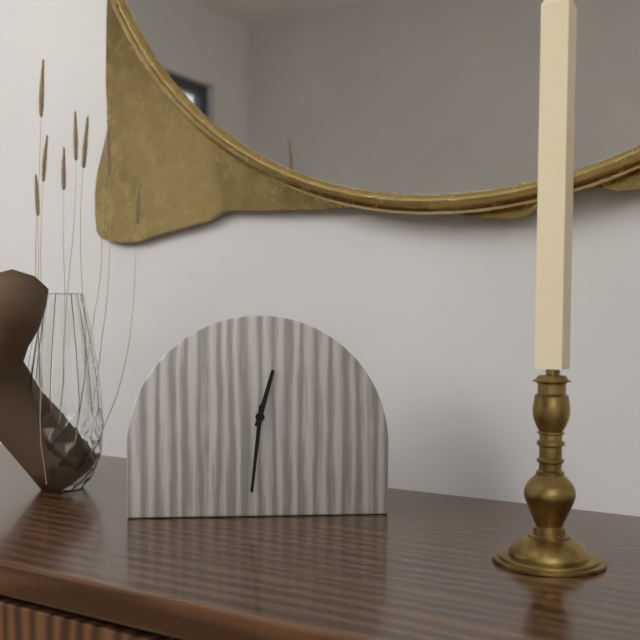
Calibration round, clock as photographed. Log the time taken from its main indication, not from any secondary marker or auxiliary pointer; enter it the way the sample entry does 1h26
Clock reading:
12h31
